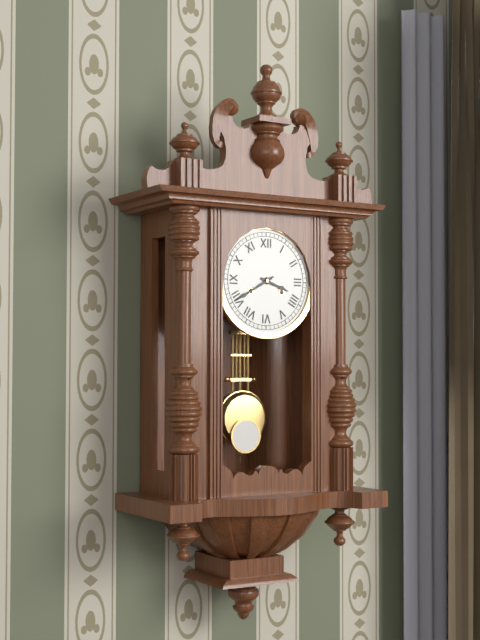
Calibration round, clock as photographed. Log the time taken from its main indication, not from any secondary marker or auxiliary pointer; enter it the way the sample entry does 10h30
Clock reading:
3h40
